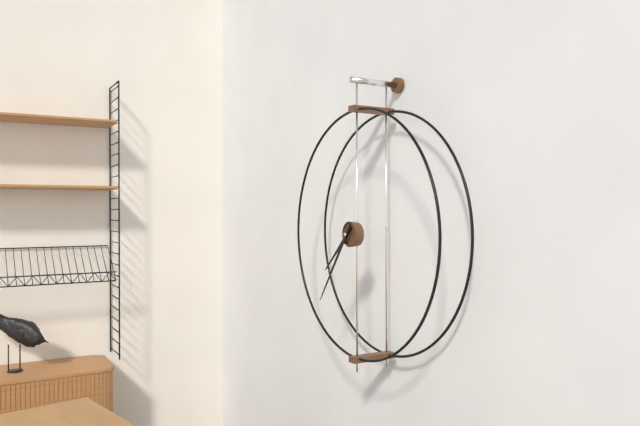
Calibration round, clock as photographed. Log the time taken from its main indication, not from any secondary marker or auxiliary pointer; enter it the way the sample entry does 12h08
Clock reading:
7h36
